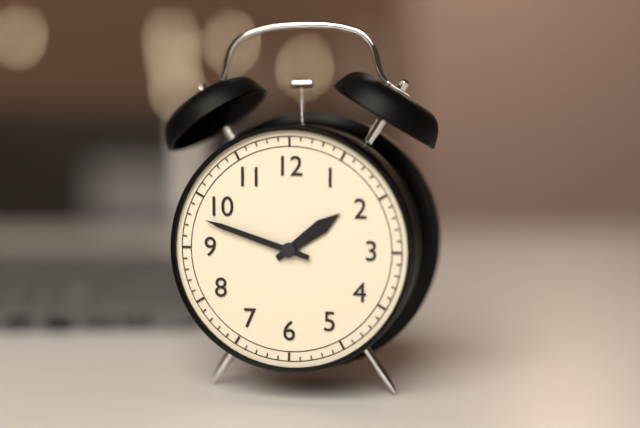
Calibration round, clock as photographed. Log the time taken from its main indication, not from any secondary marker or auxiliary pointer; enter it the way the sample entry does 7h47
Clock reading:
1h48
